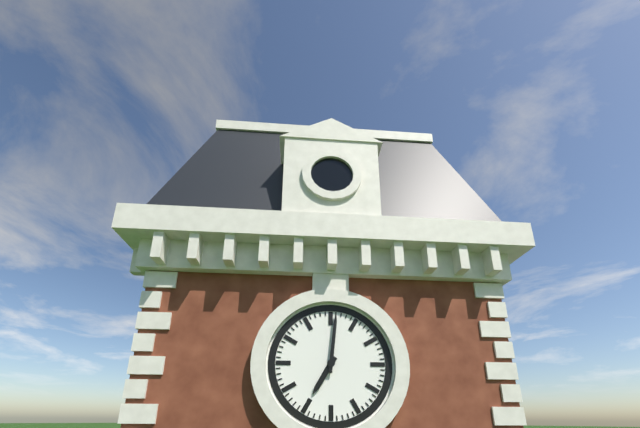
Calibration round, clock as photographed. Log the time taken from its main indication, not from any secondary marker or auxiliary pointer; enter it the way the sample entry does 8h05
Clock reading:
7h01
